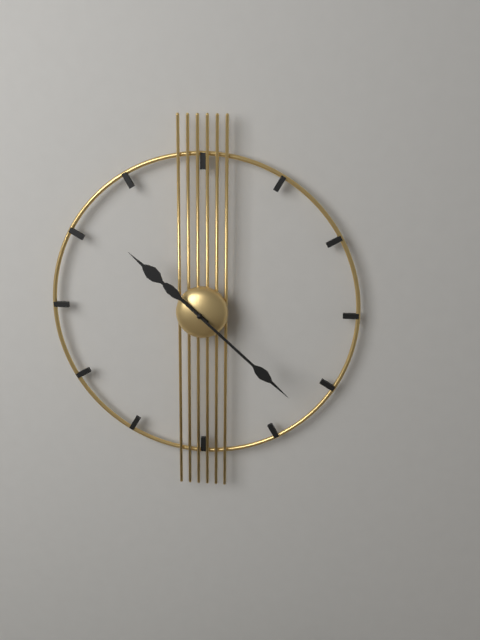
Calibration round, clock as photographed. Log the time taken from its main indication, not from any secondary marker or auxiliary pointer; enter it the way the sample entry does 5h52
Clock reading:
10h22
